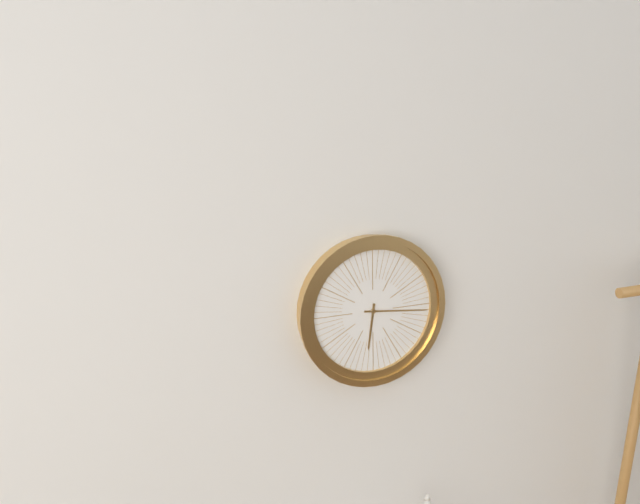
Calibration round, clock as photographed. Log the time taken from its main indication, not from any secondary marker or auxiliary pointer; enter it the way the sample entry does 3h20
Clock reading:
6h16
